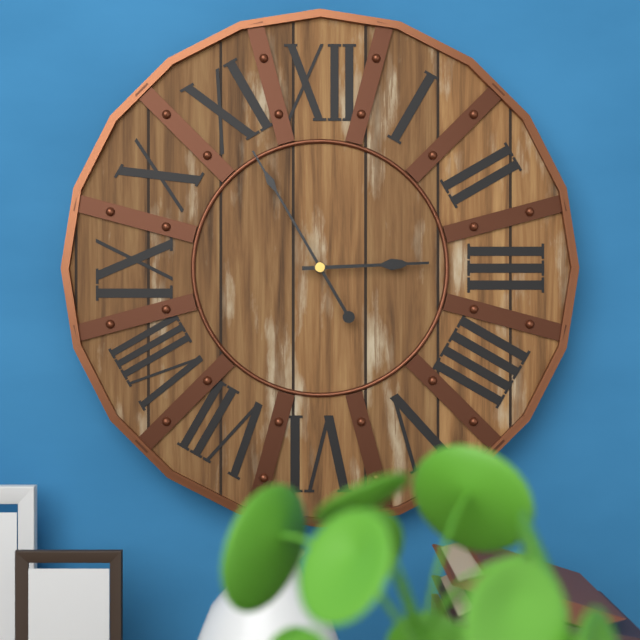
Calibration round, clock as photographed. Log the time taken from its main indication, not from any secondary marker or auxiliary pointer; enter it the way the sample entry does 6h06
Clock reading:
2h55
